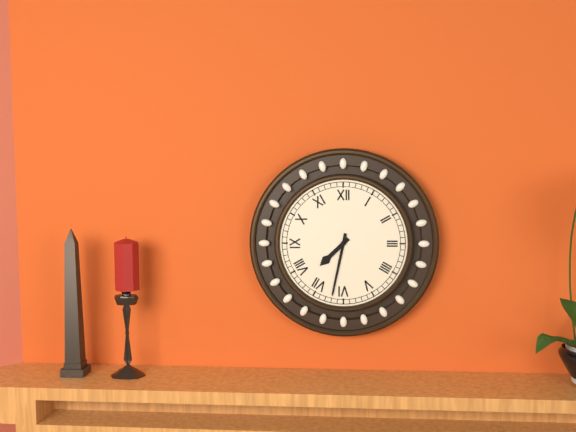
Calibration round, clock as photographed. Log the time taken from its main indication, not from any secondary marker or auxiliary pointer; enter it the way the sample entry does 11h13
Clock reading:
7h32
